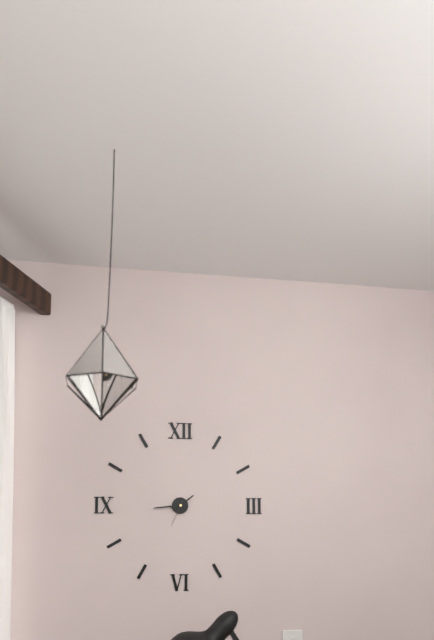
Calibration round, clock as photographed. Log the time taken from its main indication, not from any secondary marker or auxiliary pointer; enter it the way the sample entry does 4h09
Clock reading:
1h44
